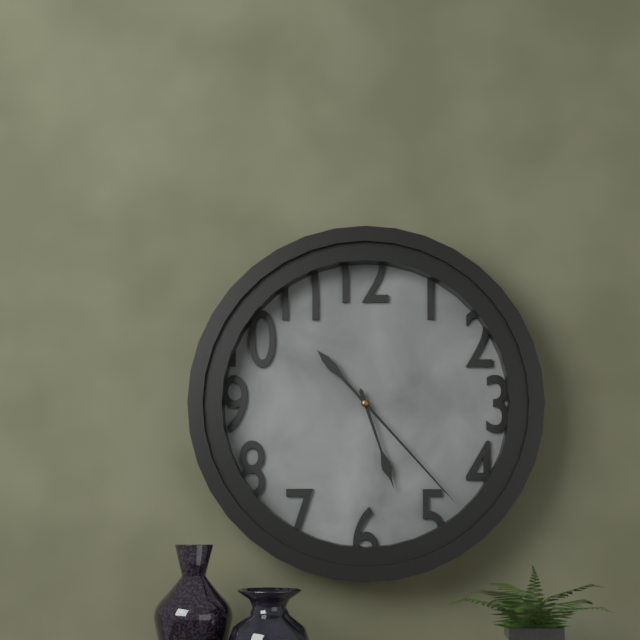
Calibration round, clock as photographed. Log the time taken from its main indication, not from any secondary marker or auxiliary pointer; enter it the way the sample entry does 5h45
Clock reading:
5h23
